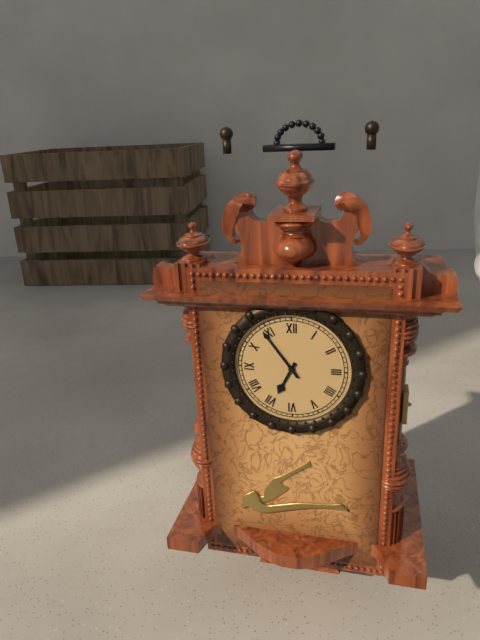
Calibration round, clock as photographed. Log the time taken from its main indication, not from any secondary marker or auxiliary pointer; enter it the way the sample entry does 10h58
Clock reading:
6h54
